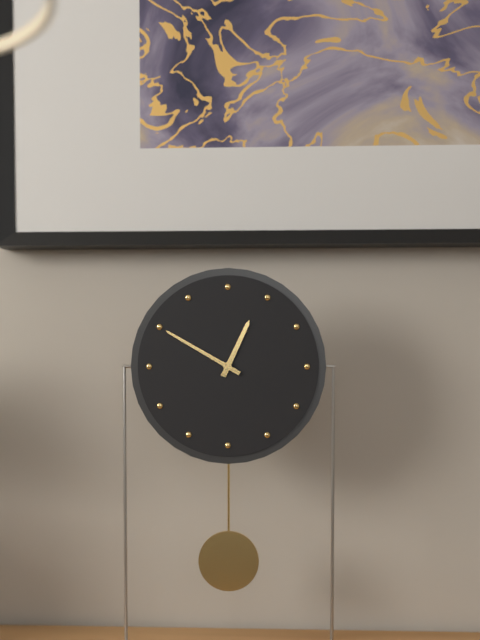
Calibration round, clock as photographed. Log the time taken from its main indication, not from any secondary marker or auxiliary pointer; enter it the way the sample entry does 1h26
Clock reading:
12h50
